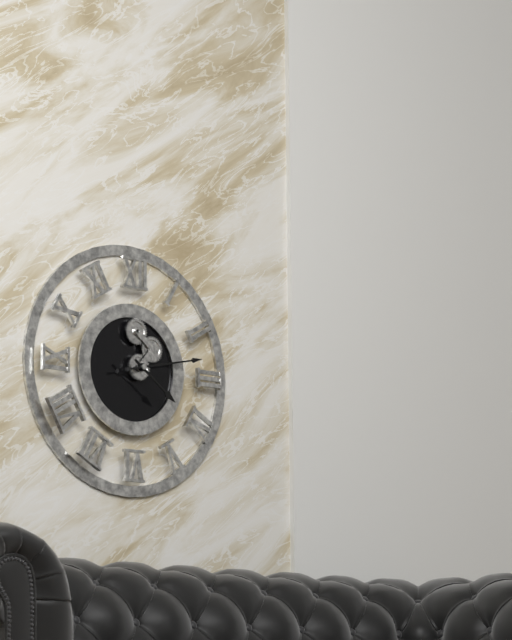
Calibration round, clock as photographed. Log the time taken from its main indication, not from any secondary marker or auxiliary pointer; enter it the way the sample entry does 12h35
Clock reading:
4h13
